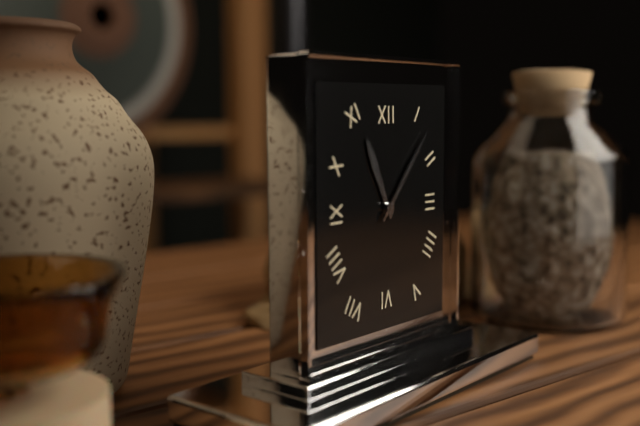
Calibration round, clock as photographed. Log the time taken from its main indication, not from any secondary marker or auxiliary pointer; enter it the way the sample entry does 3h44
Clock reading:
11h07
